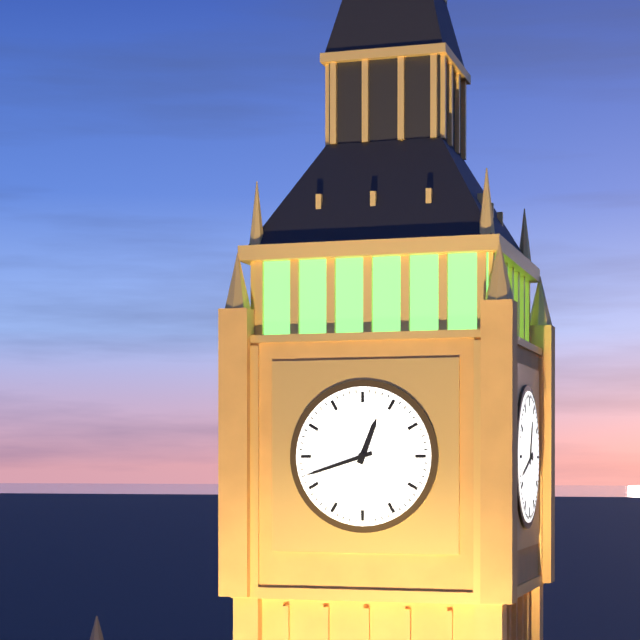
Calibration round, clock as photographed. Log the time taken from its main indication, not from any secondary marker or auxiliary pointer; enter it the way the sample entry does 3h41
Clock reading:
12h42
